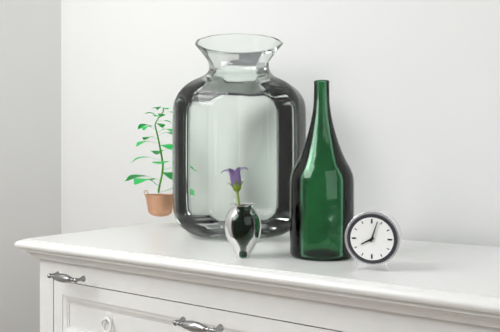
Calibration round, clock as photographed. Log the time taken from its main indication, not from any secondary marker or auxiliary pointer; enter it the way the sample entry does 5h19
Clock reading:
8h03
